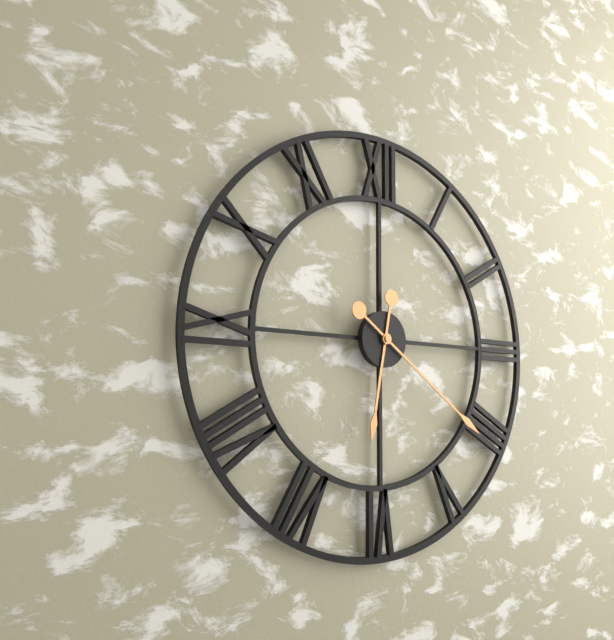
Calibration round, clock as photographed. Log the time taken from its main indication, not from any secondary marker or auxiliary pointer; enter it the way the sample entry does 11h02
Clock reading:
6h21
